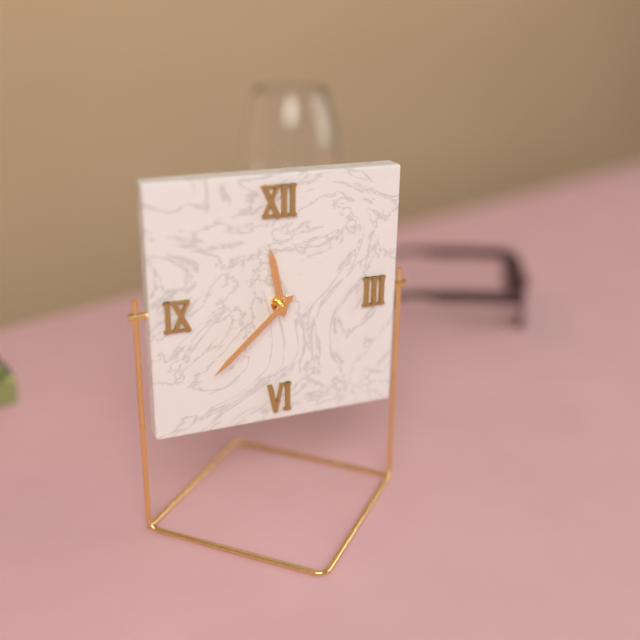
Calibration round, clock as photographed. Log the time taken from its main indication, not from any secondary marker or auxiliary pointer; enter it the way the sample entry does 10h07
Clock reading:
11h38
